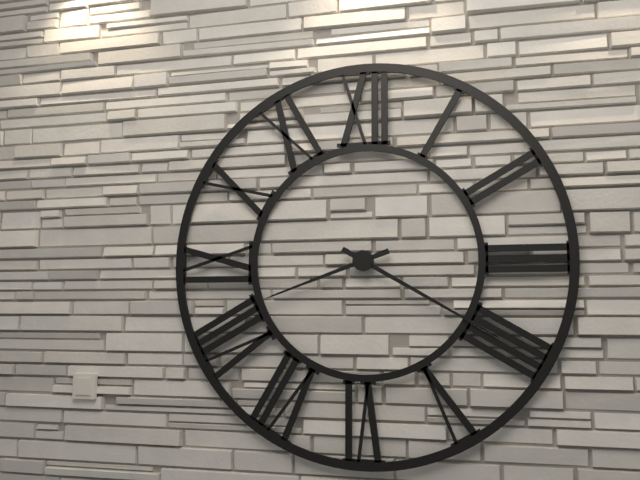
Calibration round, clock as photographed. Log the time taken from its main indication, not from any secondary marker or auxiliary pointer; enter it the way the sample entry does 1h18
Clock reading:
8h20
